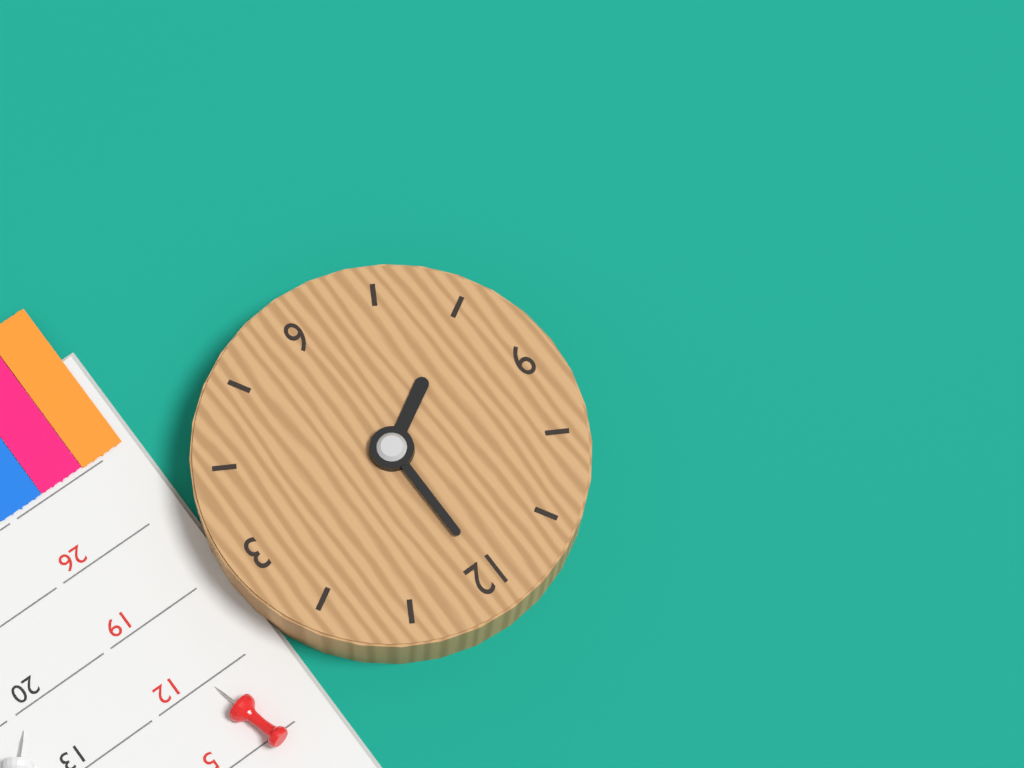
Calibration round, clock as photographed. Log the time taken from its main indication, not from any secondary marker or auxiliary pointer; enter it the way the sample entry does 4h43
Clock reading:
8h00
